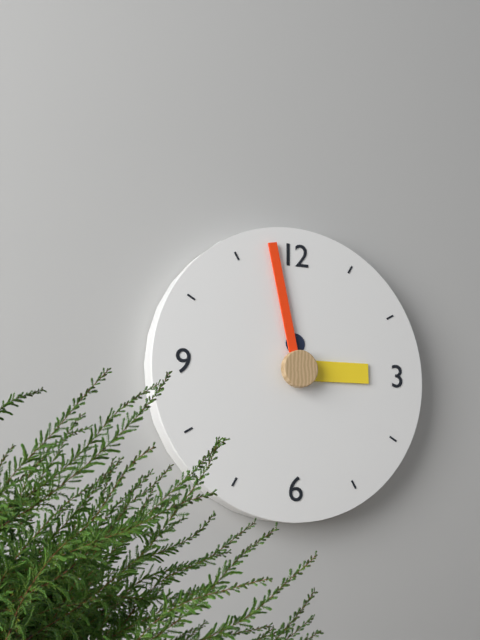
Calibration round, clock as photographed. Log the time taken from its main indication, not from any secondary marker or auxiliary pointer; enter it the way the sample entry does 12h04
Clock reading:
2h58
